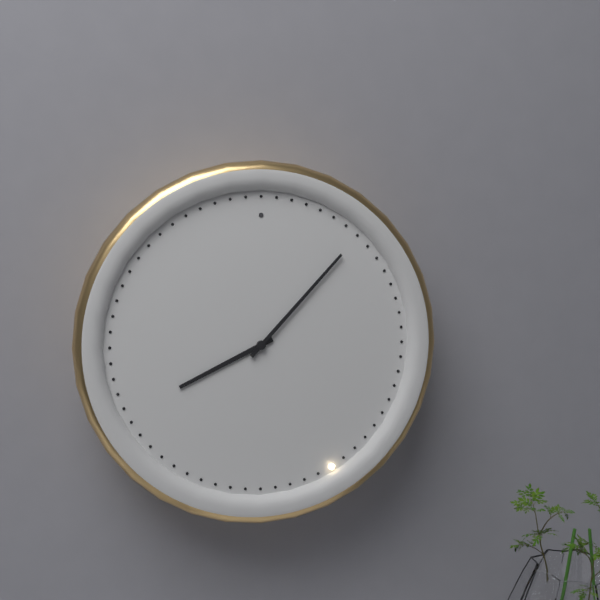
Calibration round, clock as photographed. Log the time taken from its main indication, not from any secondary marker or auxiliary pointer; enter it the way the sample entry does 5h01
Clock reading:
8h07
